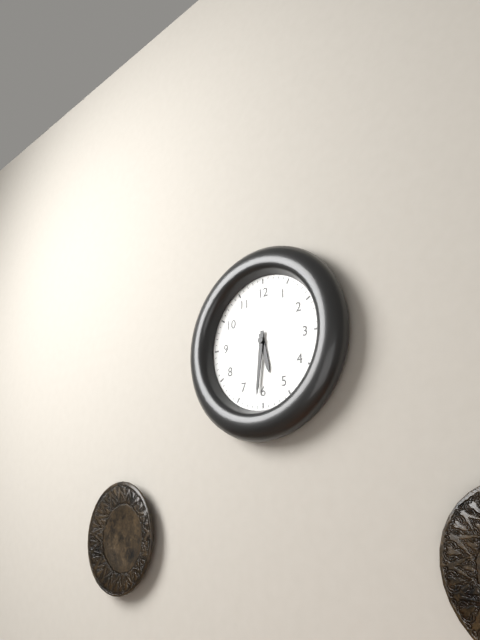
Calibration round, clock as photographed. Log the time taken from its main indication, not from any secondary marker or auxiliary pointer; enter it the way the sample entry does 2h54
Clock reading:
5h31
